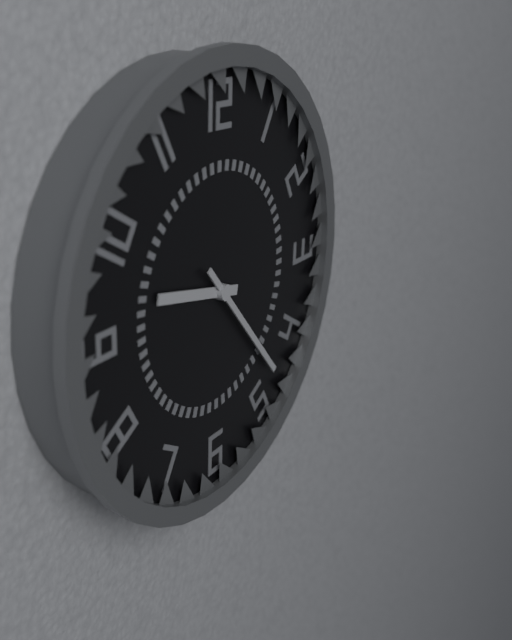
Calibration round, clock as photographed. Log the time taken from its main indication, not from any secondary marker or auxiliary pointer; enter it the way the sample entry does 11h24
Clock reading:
9h23
